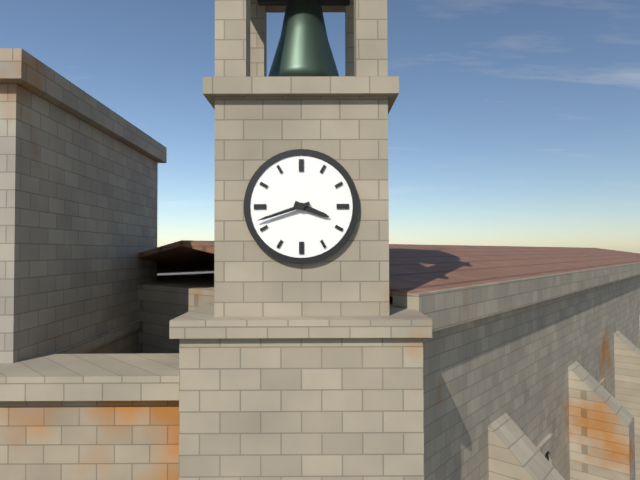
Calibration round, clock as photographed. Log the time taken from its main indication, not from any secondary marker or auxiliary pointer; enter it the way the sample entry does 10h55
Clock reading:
3h42
